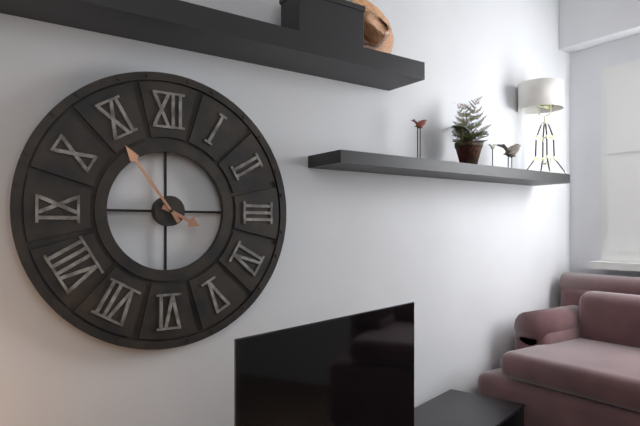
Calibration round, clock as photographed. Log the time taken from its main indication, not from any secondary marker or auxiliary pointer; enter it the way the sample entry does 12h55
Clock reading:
3h54
